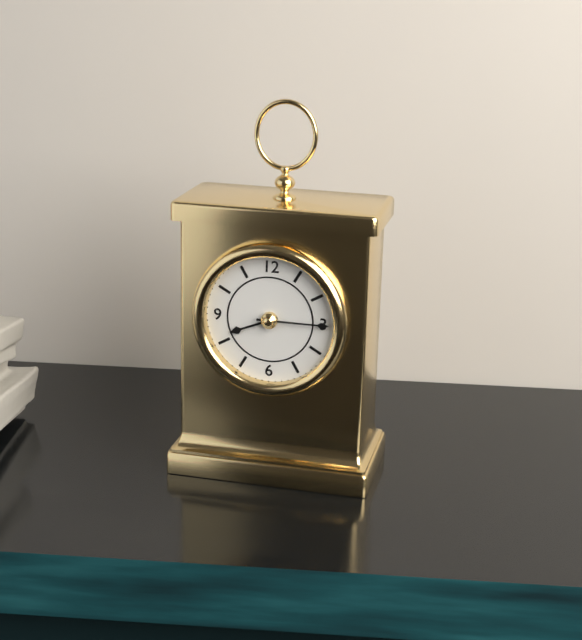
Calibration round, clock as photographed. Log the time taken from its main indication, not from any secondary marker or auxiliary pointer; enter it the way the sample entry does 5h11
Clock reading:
8h15
